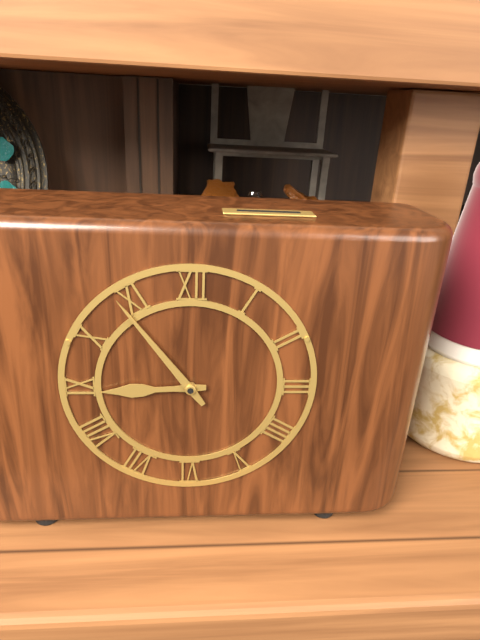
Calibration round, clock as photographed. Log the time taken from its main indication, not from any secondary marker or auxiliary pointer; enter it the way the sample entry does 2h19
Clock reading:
8h54
